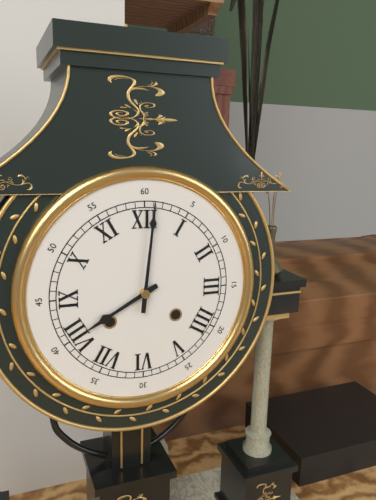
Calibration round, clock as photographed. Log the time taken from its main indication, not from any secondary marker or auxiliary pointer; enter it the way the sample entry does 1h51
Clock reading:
8h01
